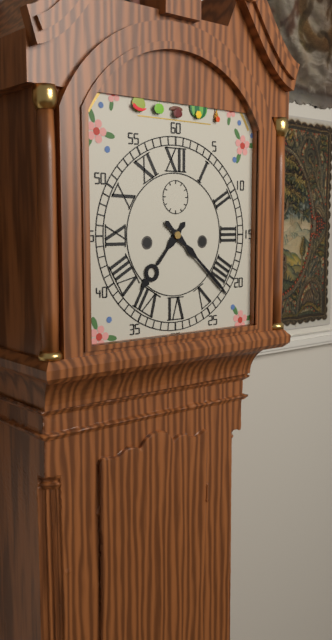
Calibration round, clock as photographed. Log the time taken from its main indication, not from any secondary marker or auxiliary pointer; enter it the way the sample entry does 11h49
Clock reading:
7h22
